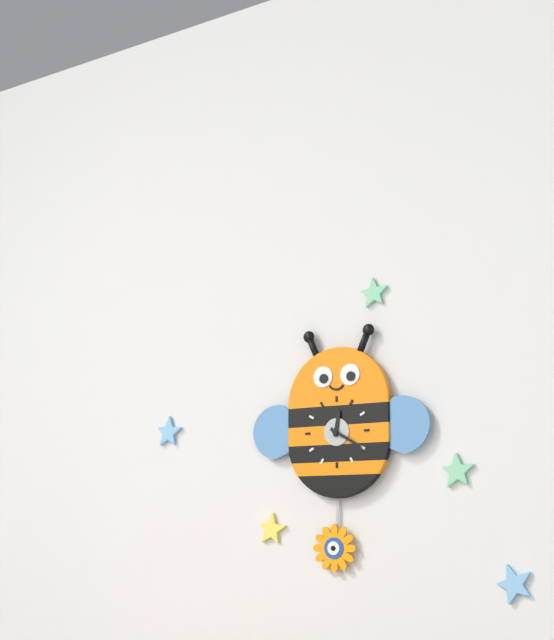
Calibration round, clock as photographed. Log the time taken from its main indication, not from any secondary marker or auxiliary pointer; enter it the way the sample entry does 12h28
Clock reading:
12h20
